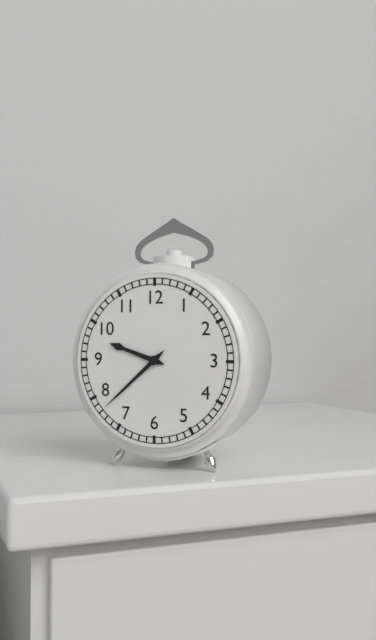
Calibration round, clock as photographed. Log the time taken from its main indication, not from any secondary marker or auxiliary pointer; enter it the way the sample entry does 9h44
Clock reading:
9h38
